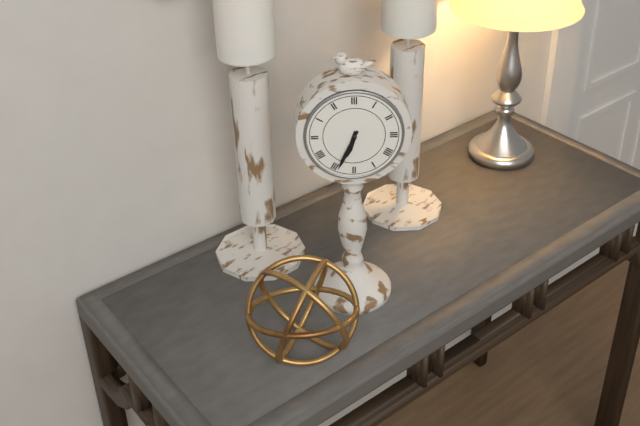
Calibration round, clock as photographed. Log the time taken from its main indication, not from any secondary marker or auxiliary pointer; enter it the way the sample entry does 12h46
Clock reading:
6h34
